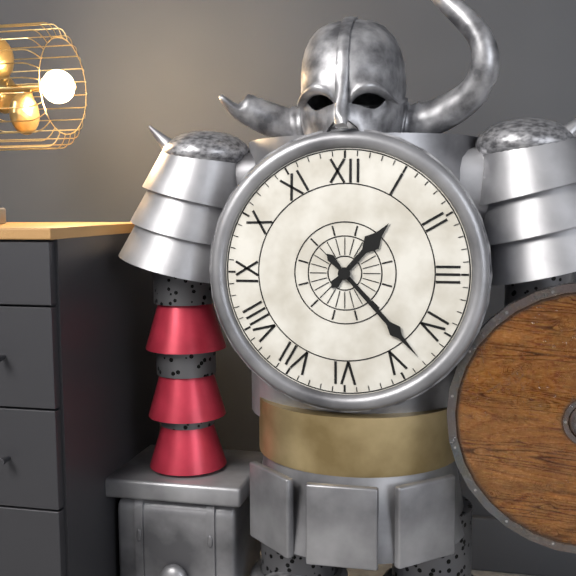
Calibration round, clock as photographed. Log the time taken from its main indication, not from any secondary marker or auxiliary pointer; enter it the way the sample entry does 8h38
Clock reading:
1h23
